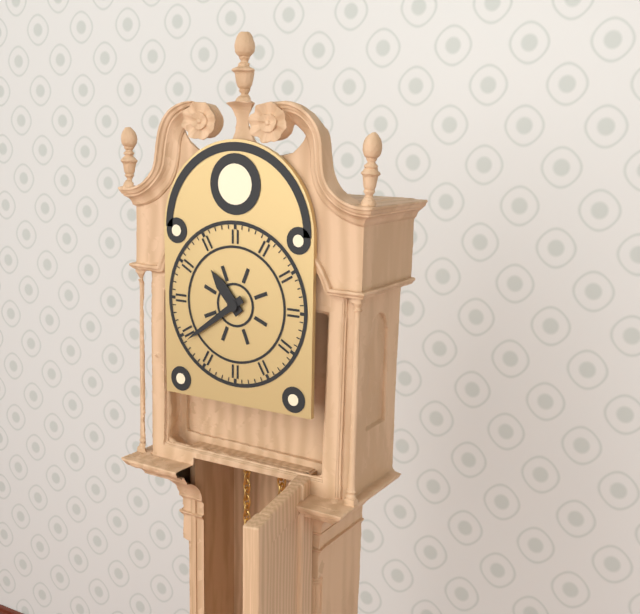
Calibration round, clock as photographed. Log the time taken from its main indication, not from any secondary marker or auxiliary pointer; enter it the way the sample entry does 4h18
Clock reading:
10h39
